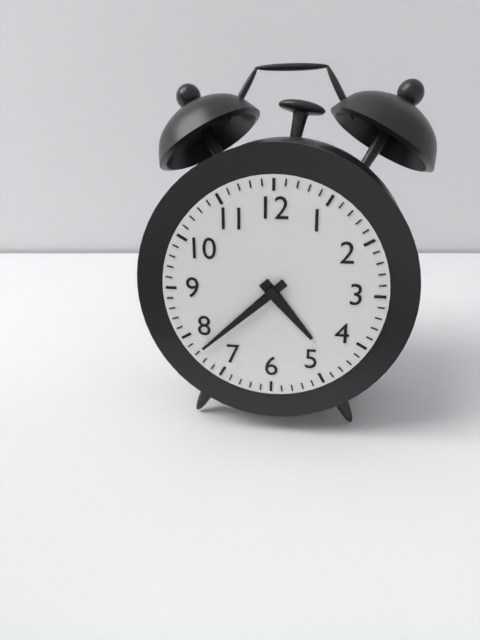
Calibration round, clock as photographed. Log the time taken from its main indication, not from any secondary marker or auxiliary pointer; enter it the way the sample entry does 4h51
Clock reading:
4h38
